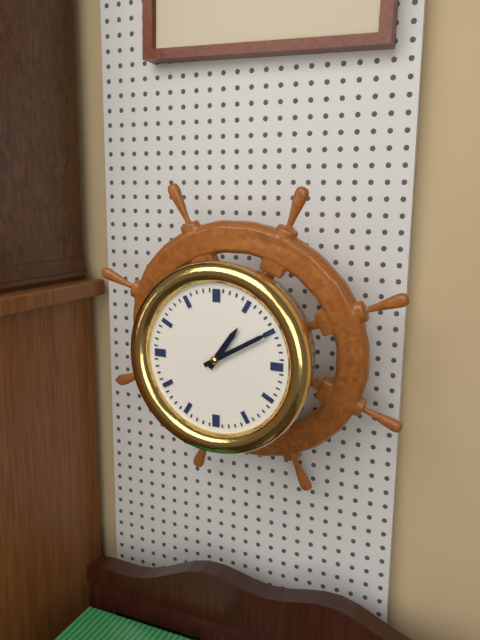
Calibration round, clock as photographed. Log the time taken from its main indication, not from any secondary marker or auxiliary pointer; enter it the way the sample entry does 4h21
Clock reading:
1h10
